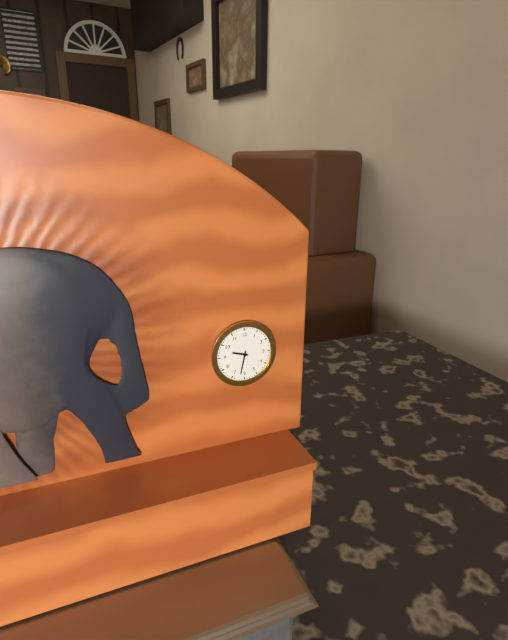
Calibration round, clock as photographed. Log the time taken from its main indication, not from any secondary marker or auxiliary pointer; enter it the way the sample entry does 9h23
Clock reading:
9h32
